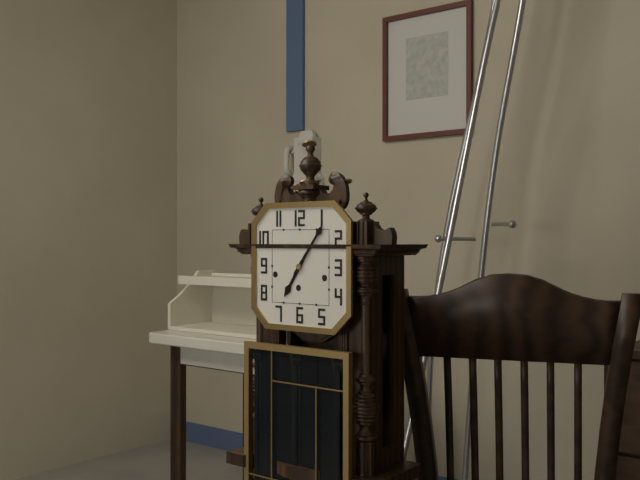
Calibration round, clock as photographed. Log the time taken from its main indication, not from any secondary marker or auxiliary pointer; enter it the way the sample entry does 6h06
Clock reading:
7h06
